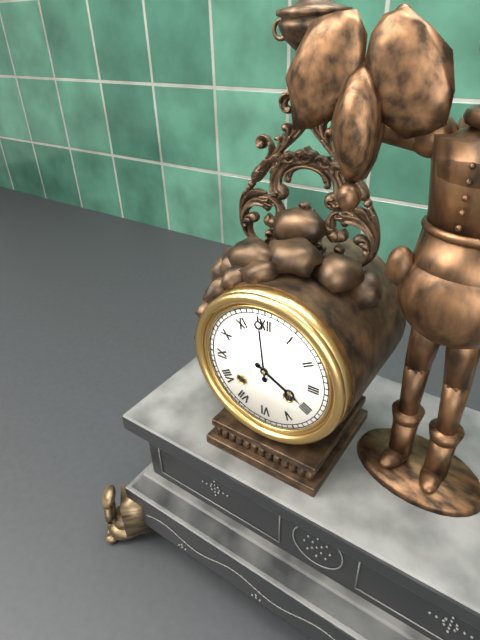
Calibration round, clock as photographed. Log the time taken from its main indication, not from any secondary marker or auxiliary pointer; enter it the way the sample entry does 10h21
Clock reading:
3h59
